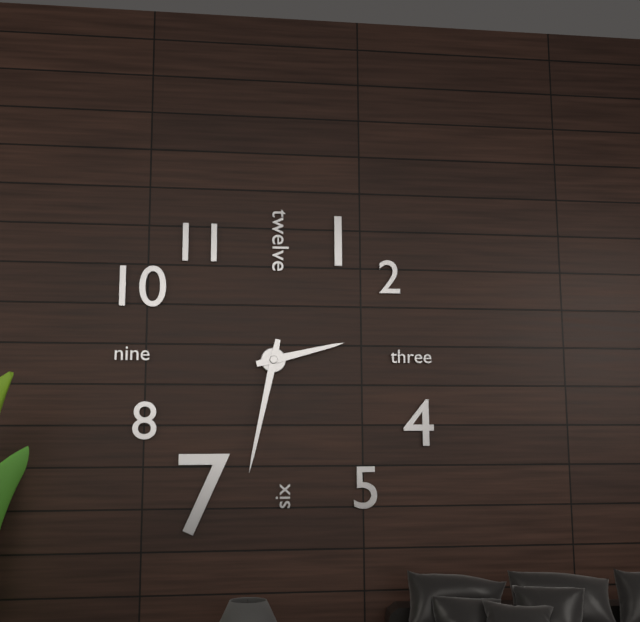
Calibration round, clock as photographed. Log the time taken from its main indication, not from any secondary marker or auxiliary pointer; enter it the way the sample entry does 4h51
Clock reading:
2h32
